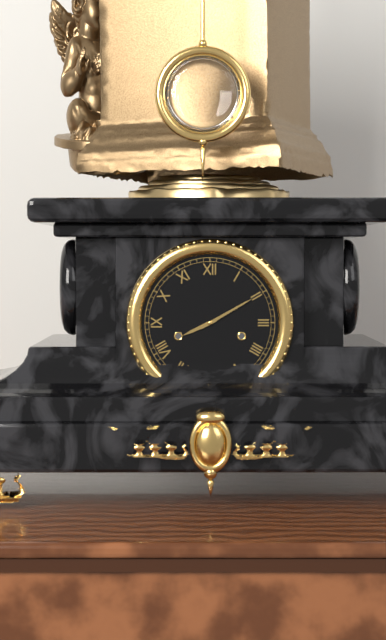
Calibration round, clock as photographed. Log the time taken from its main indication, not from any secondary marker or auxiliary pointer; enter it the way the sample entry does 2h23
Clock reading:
8h10
